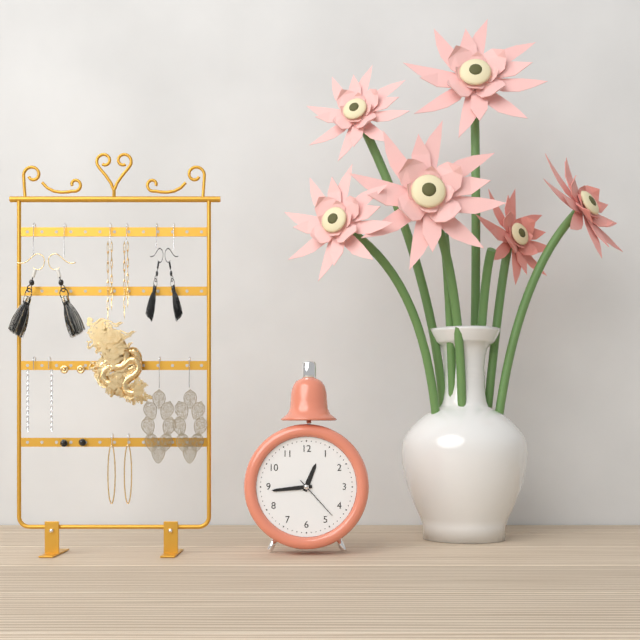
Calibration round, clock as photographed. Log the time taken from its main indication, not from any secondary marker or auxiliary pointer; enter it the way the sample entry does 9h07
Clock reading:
12h44
